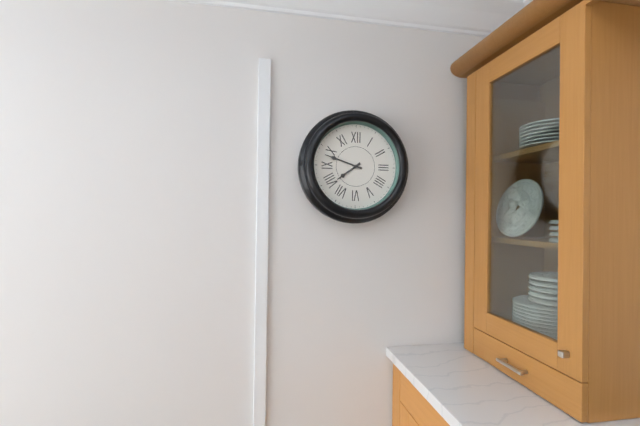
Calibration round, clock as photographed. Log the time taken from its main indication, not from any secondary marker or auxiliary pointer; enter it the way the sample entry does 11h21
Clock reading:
7h48
